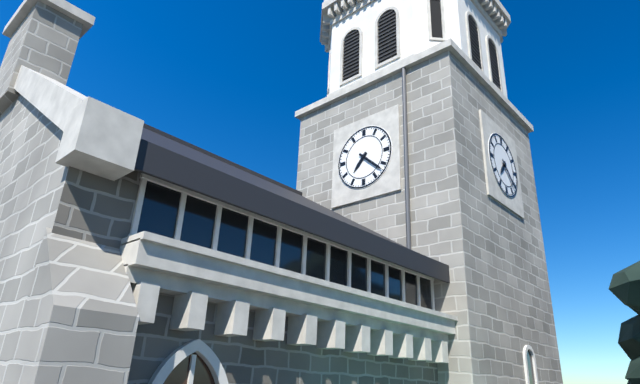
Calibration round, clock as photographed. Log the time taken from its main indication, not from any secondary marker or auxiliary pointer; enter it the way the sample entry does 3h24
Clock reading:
7h22
